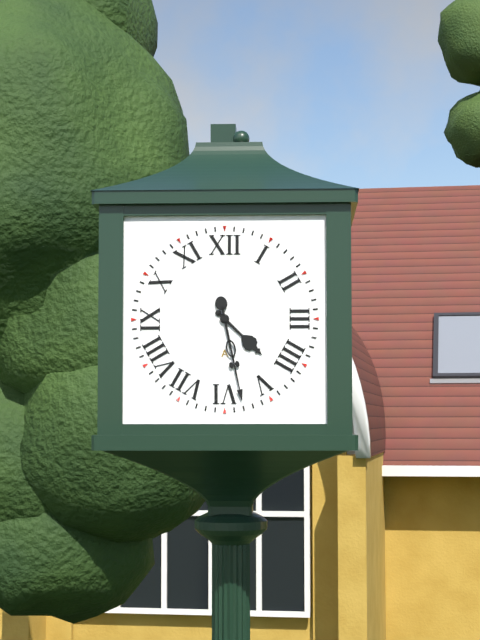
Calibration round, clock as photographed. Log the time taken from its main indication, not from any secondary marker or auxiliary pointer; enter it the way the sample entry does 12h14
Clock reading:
4h28
